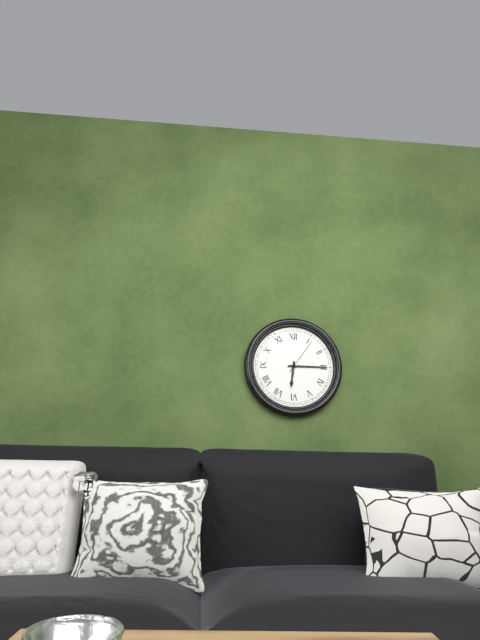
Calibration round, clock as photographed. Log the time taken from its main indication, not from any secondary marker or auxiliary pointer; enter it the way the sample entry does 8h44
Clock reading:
6h15
